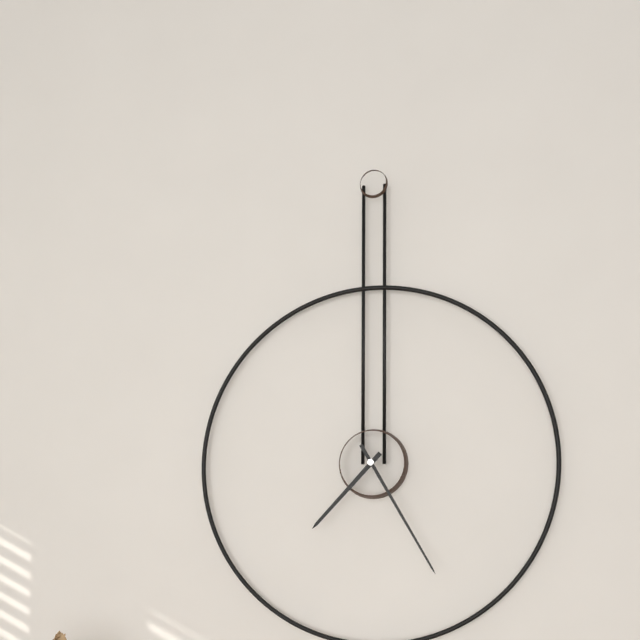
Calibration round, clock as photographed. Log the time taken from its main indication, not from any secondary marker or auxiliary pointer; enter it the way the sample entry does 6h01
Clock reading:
7h25
